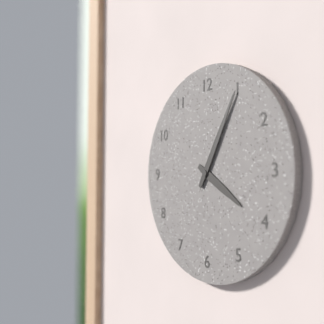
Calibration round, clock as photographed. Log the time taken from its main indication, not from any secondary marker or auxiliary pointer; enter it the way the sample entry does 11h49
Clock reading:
4h05
